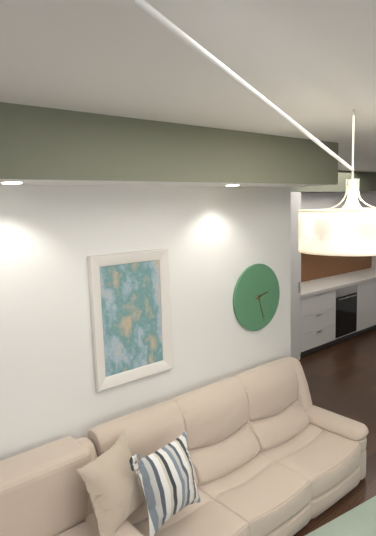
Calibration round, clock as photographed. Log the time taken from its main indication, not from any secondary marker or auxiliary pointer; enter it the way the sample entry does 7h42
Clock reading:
2h27
